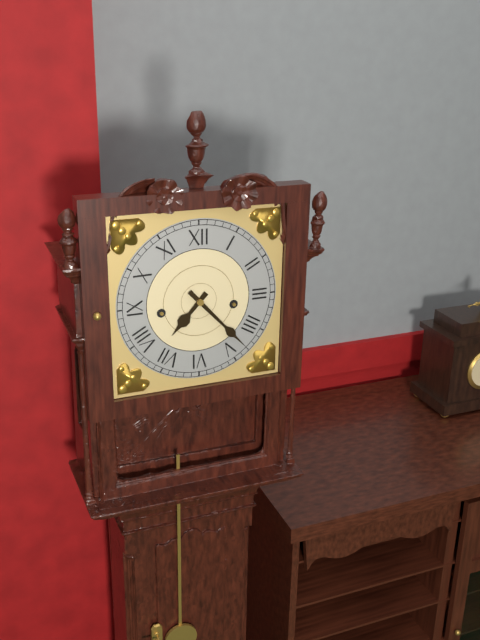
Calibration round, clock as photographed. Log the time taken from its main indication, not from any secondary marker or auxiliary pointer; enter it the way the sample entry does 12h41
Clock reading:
7h23
